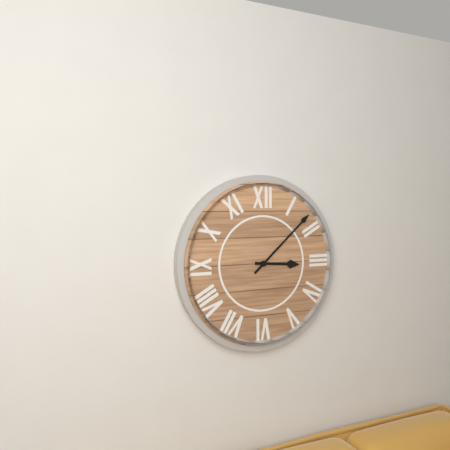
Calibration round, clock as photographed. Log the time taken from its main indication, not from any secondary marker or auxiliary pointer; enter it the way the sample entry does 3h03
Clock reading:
3h08
